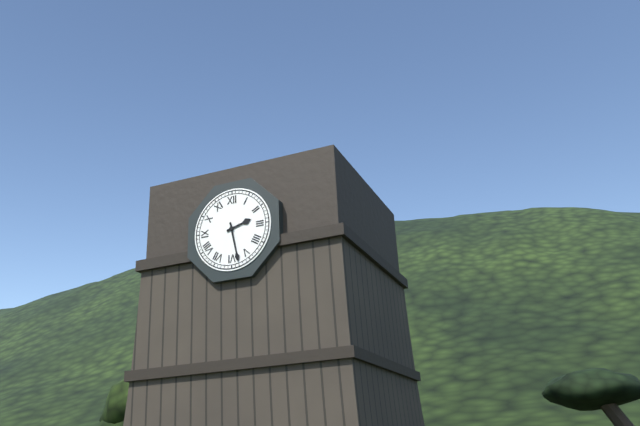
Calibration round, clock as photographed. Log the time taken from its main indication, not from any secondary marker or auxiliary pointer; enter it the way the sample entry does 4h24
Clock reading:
2h28
